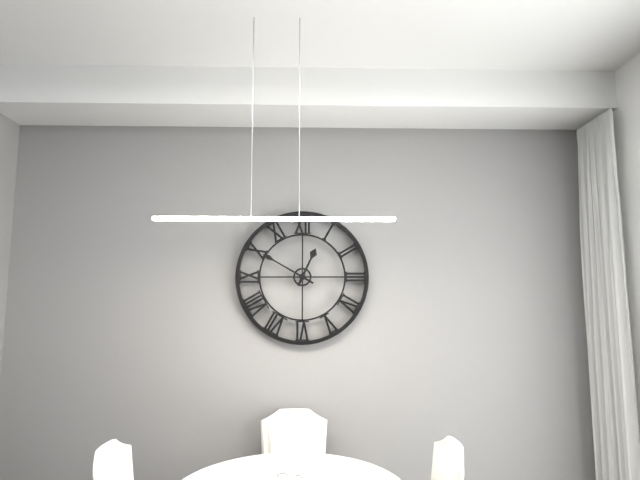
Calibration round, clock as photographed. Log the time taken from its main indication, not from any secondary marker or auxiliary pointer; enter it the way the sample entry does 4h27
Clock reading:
12h50
